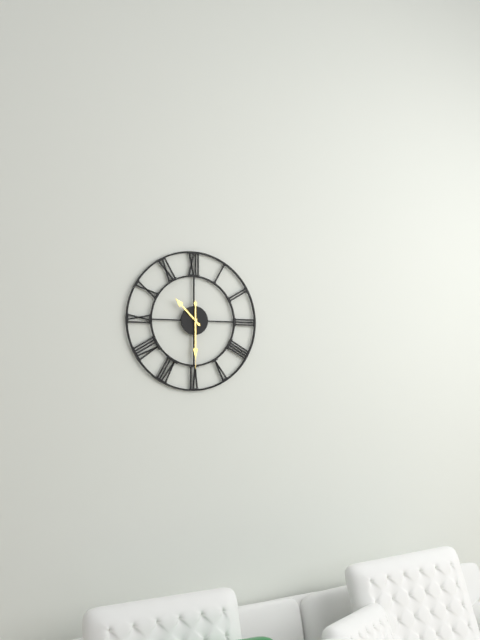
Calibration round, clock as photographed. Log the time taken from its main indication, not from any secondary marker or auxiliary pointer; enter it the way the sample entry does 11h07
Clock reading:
10h30
